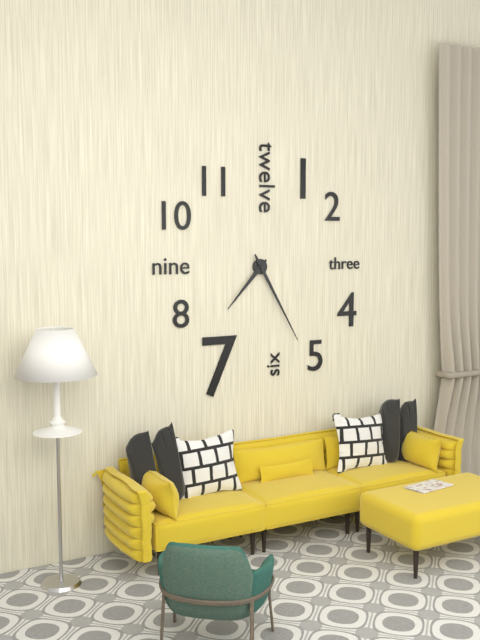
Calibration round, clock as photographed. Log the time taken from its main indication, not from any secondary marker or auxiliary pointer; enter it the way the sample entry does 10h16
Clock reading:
7h25
